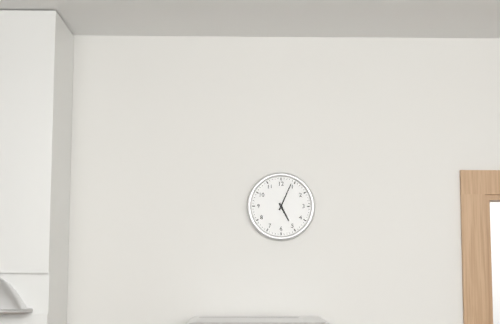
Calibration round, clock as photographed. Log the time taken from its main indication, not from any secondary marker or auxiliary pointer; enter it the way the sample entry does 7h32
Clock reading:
5h04
